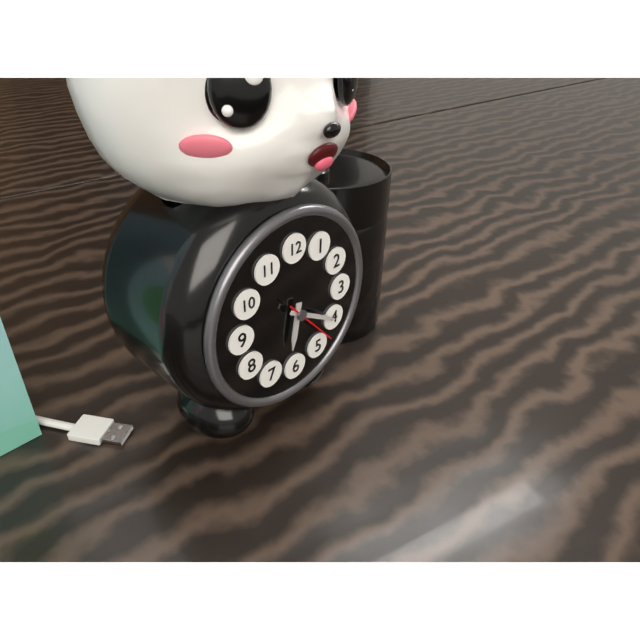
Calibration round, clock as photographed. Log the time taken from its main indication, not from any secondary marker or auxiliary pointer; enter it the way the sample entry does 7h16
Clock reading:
6h20
